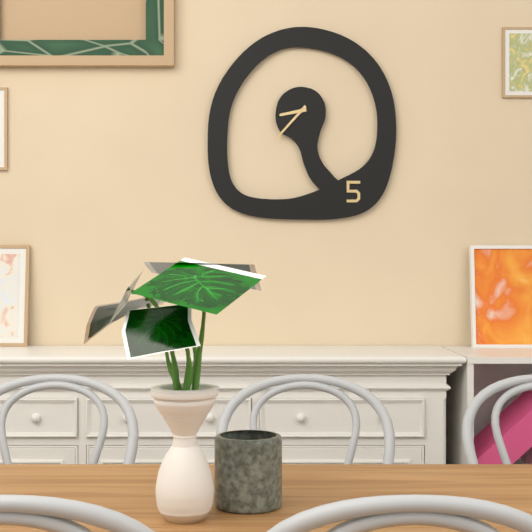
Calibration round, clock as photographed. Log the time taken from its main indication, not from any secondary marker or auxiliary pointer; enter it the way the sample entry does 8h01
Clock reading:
8h37
